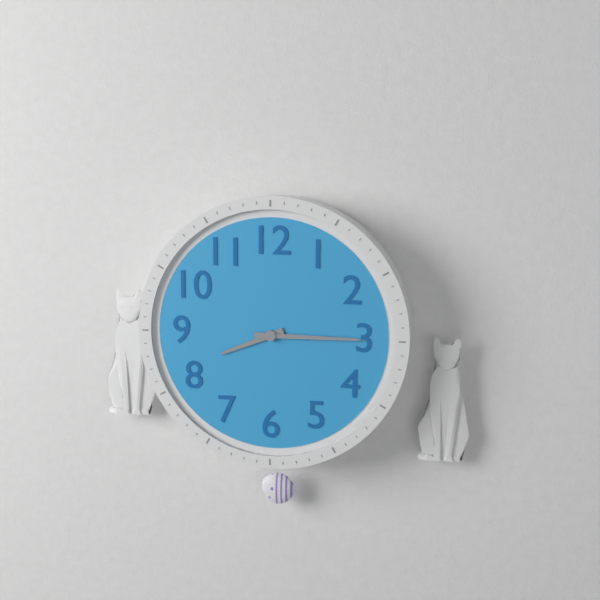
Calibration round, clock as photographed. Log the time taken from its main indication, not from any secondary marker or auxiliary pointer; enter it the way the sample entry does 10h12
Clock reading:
8h15
